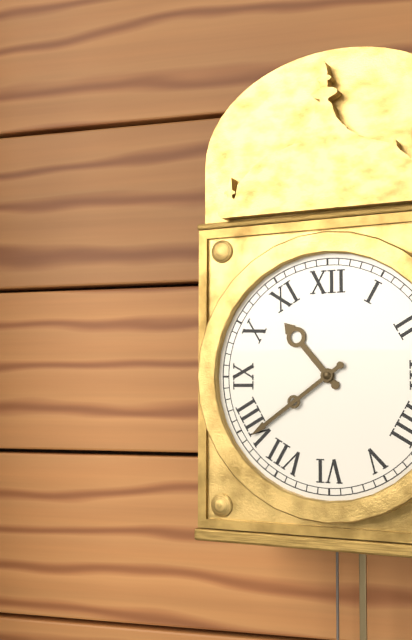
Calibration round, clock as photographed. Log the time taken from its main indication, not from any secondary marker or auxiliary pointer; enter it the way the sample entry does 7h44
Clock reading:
10h39
